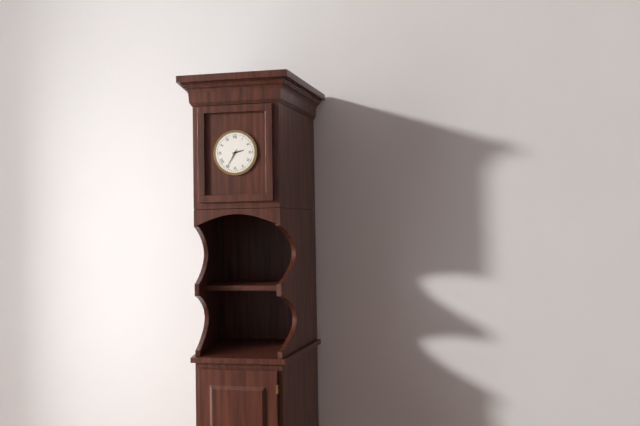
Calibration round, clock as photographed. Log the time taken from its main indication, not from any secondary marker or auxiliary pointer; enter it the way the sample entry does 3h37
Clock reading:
2h35
